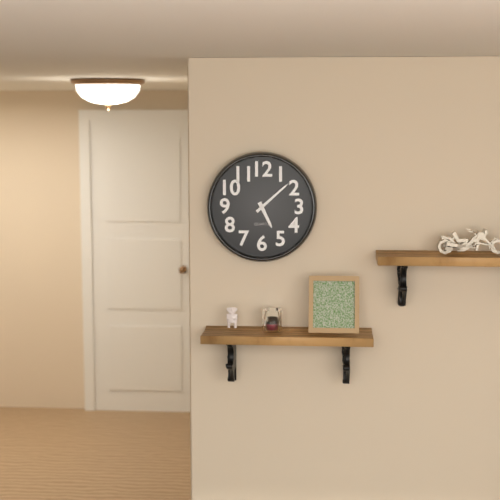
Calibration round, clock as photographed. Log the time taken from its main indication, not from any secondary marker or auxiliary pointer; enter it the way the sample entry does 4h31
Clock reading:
5h08
